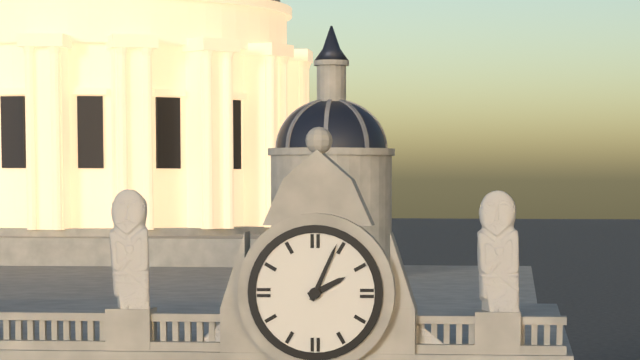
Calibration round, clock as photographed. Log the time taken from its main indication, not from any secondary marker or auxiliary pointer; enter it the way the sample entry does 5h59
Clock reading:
2h04
